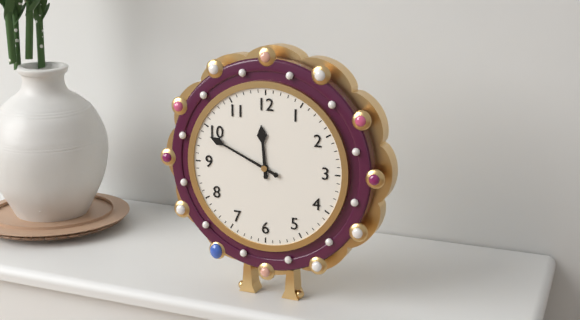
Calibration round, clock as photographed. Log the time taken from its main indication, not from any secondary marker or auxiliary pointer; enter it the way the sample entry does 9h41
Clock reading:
11h49
